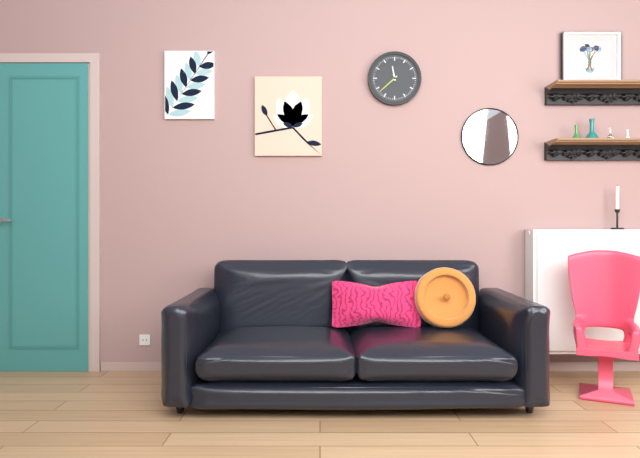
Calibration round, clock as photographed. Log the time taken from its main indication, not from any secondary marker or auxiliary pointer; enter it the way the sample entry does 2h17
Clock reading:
11h38
